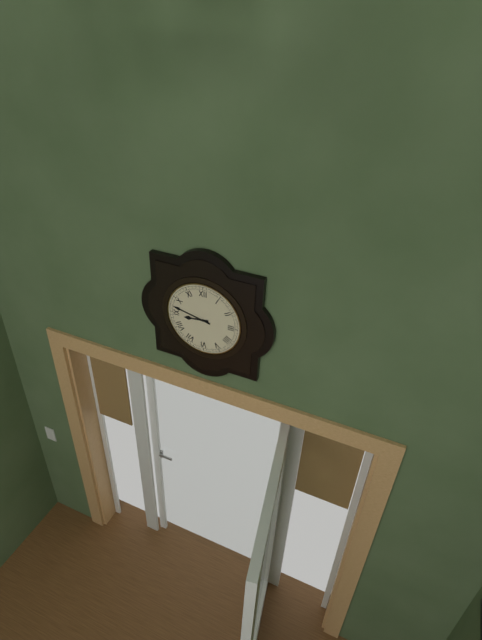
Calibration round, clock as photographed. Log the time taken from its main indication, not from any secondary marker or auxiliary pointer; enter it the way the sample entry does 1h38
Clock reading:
8h47
